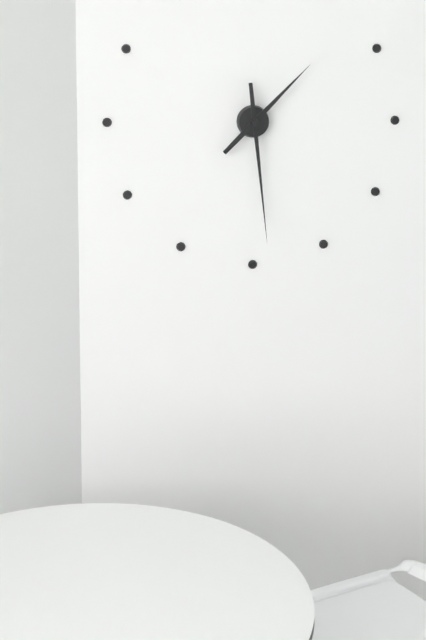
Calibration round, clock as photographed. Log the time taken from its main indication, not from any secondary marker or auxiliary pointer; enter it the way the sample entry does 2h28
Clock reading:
1h29
